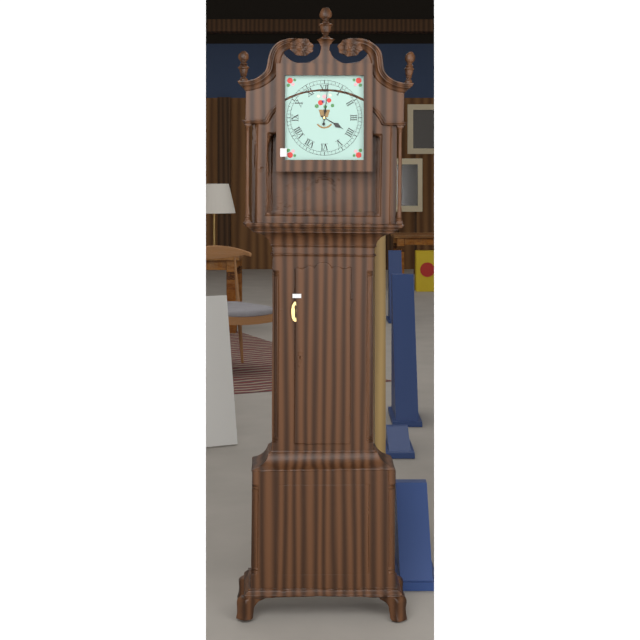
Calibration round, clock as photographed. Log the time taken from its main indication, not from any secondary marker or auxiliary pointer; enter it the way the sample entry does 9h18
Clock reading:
4h01
